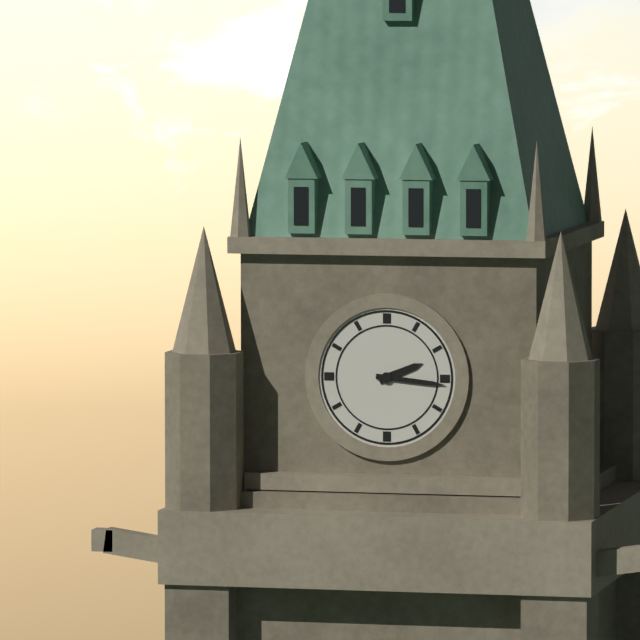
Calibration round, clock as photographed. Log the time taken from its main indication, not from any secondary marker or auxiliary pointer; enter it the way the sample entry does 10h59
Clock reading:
2h16
